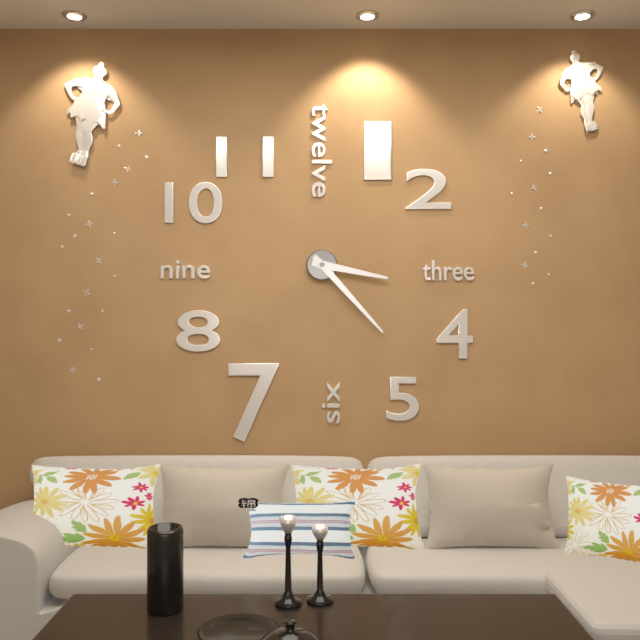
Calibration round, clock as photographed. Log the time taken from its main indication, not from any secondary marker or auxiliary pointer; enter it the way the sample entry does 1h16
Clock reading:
3h23
